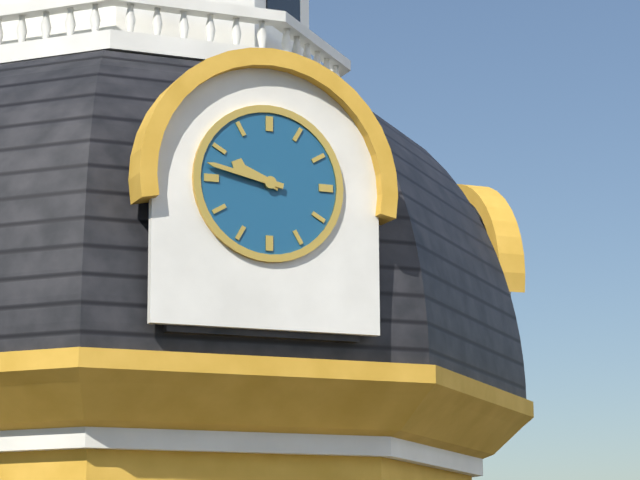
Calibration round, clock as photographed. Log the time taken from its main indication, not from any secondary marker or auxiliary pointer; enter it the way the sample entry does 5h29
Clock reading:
9h47
